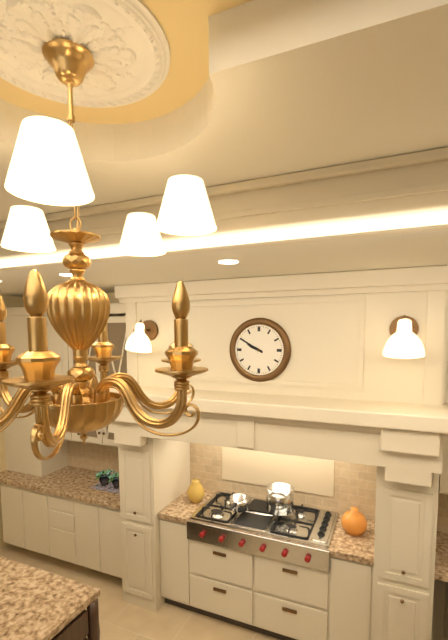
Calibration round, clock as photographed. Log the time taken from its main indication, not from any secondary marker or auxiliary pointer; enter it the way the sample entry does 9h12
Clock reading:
9h50
